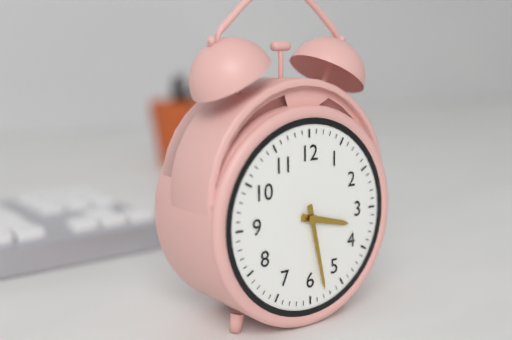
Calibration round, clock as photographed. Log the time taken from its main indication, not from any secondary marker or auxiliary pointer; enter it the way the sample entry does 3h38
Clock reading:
3h28
